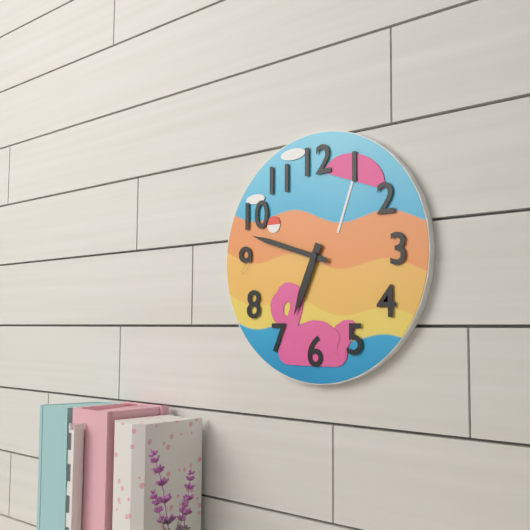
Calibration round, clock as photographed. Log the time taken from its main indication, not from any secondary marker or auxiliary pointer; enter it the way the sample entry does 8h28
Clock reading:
6h48
